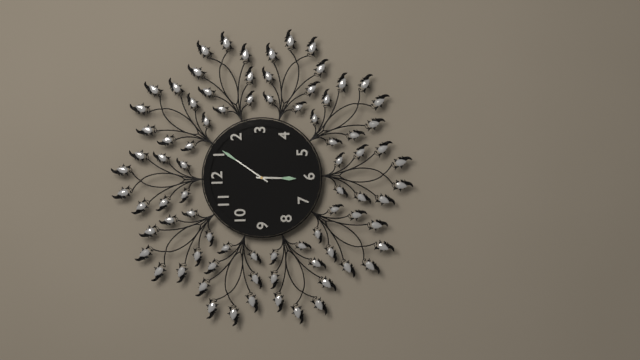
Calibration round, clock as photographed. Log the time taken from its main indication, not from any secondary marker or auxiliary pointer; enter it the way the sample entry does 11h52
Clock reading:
6h06
